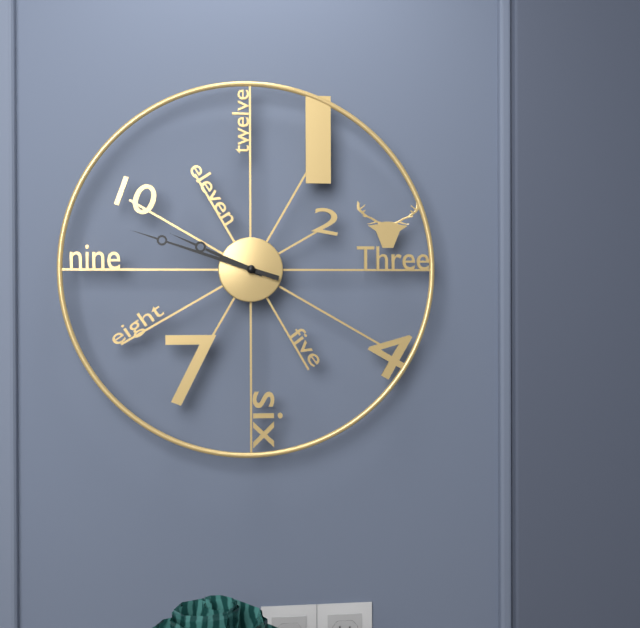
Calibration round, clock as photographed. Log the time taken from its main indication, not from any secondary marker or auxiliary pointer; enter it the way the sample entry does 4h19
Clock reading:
9h48
